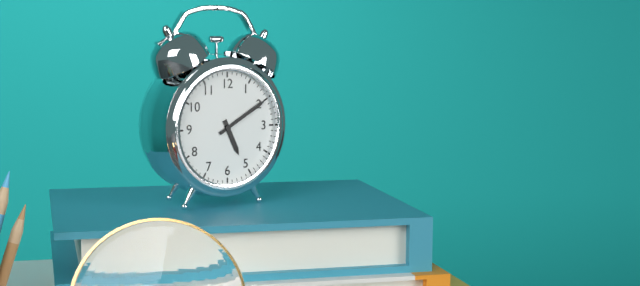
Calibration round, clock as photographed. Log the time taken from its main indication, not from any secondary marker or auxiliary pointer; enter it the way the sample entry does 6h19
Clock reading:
5h10
